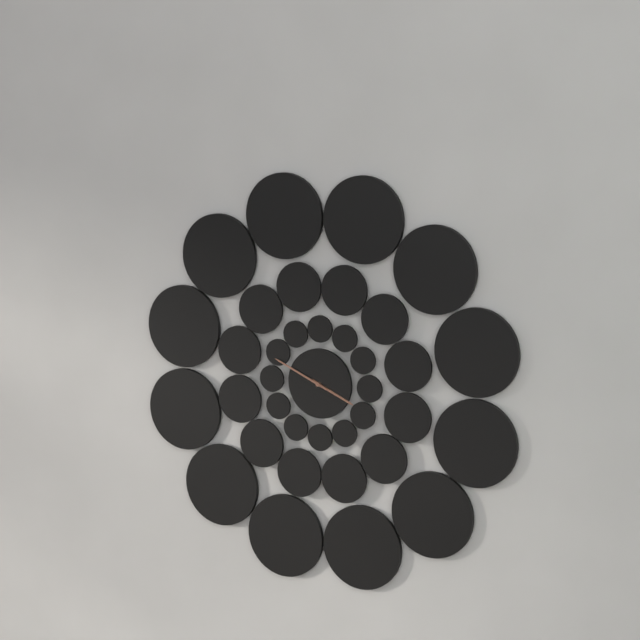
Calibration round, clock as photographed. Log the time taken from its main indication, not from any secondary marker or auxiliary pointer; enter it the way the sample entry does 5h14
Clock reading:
3h49
